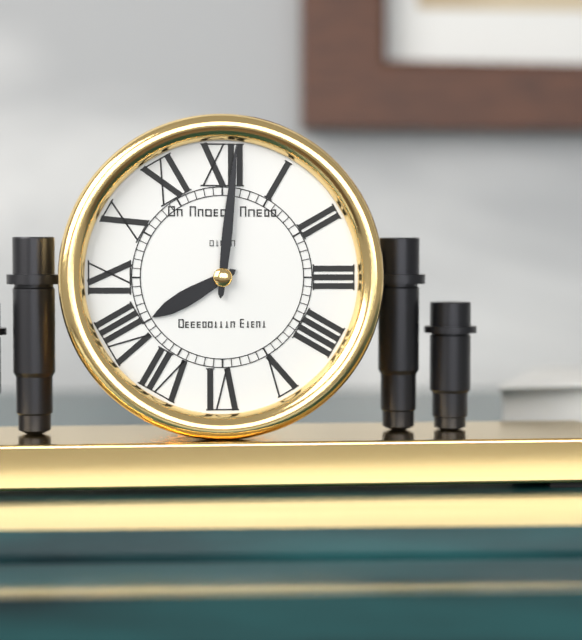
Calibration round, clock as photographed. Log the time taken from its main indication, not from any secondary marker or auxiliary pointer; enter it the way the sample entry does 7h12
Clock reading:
8h01
